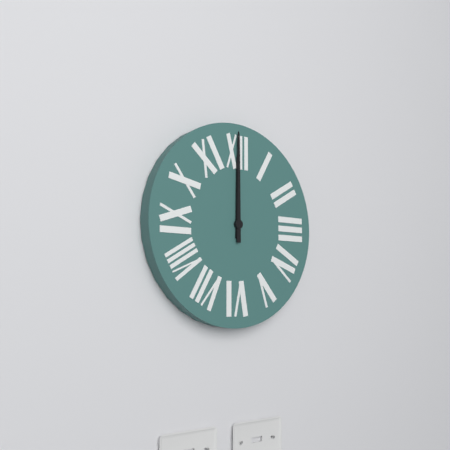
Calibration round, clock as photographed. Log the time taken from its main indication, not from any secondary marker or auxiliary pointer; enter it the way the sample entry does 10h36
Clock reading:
12h00
